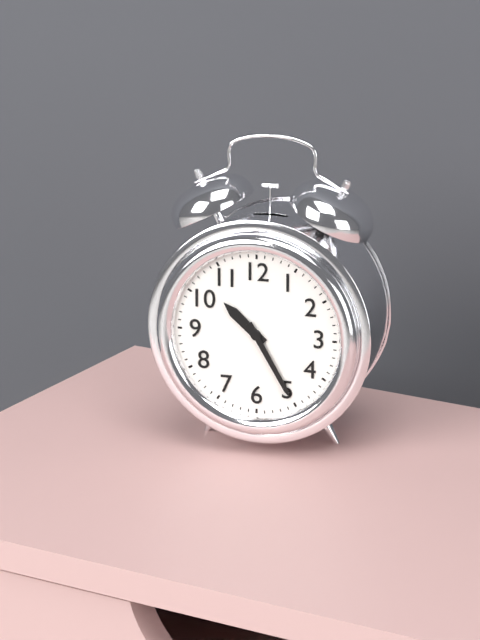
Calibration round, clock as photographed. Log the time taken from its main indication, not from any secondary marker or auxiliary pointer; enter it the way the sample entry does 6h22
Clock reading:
10h25
